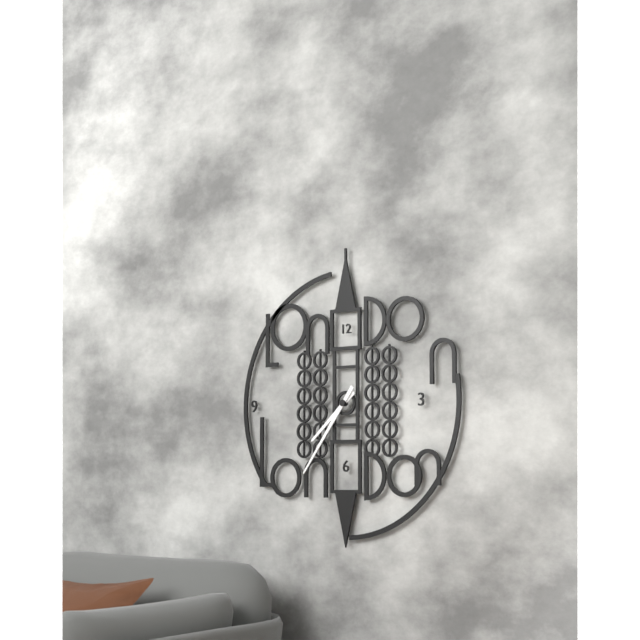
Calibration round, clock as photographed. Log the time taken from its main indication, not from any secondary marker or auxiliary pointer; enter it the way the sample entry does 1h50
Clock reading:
7h36
